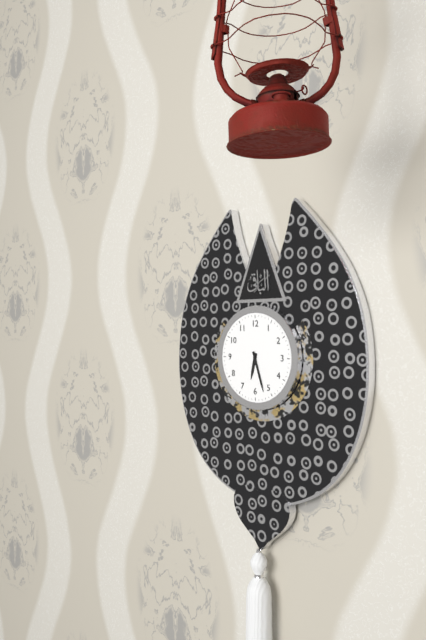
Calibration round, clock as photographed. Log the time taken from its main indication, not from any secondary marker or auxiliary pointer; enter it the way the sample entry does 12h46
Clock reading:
6h27
